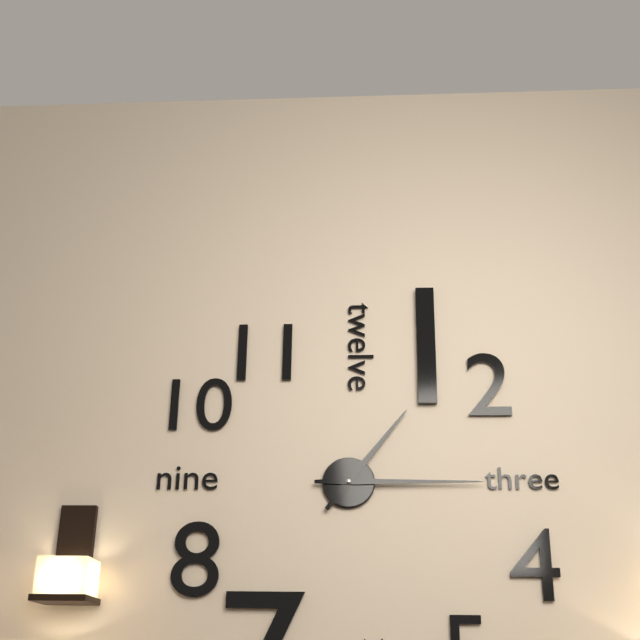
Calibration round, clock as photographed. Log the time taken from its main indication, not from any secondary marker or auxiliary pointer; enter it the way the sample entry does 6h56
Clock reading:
1h15
